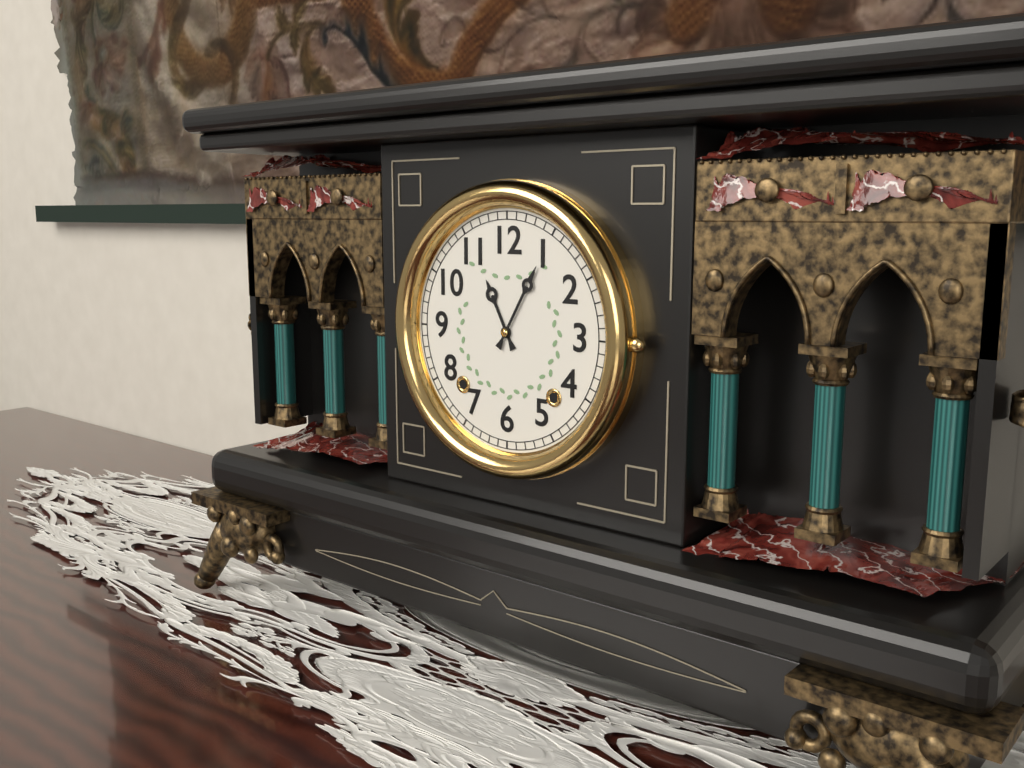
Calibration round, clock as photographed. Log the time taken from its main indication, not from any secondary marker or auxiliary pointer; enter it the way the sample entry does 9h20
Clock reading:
11h05
